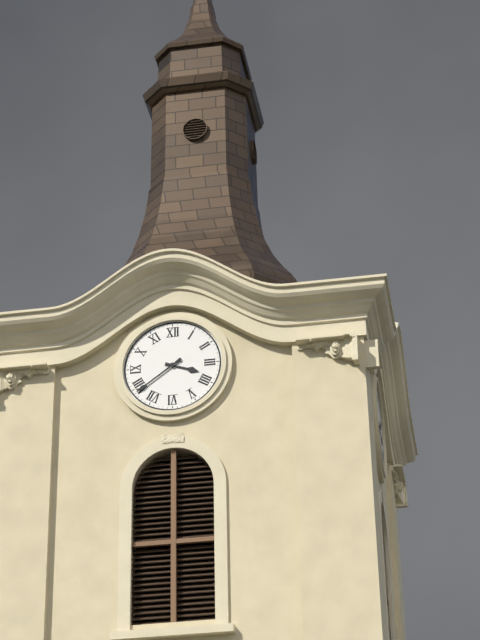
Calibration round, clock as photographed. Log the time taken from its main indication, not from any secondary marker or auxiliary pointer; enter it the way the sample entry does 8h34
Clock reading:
3h39
